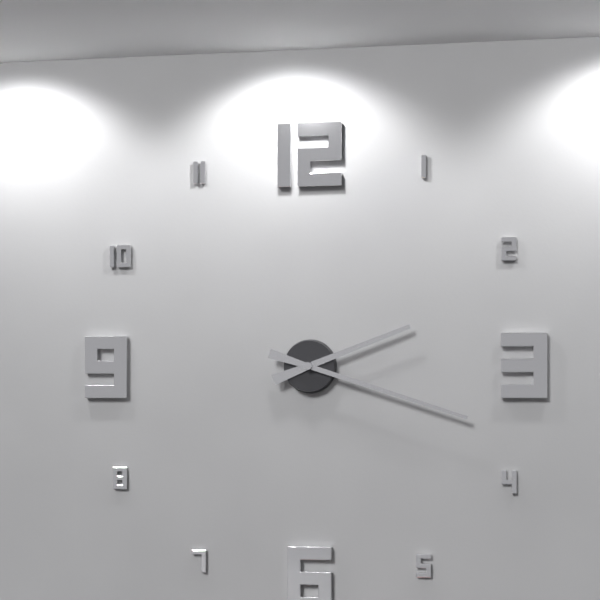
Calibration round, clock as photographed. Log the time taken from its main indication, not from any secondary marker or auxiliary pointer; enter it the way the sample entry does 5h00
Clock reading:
2h18
